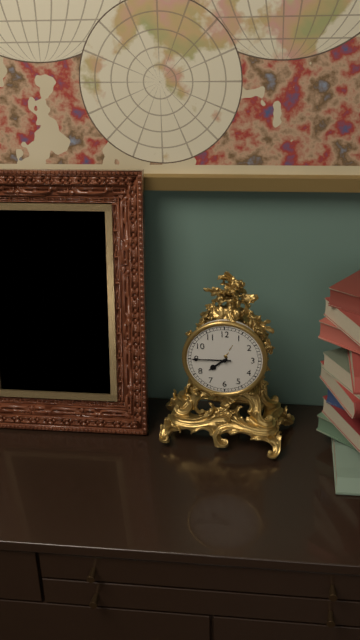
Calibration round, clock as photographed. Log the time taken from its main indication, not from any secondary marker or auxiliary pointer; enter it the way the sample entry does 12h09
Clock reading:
7h45
